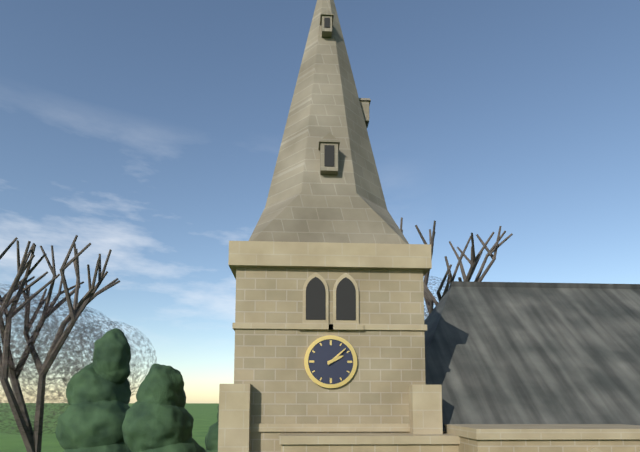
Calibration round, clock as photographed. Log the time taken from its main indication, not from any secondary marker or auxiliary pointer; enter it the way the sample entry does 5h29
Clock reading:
2h08
